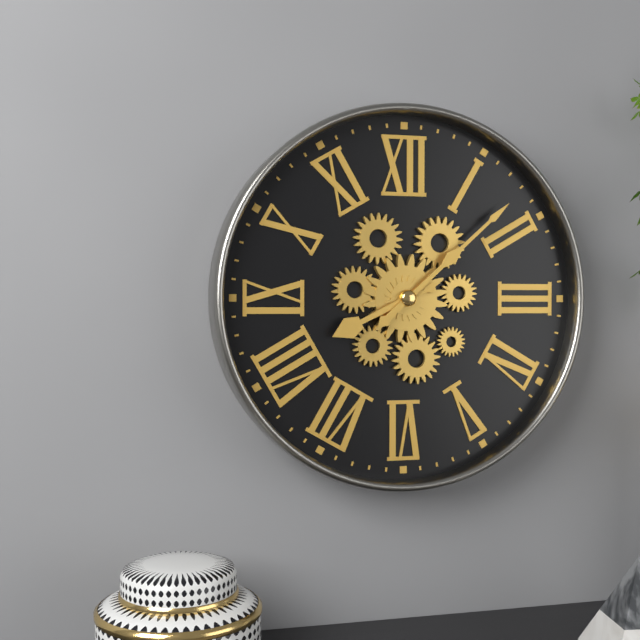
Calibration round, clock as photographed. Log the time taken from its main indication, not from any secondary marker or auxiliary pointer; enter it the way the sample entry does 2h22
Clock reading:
8h08
